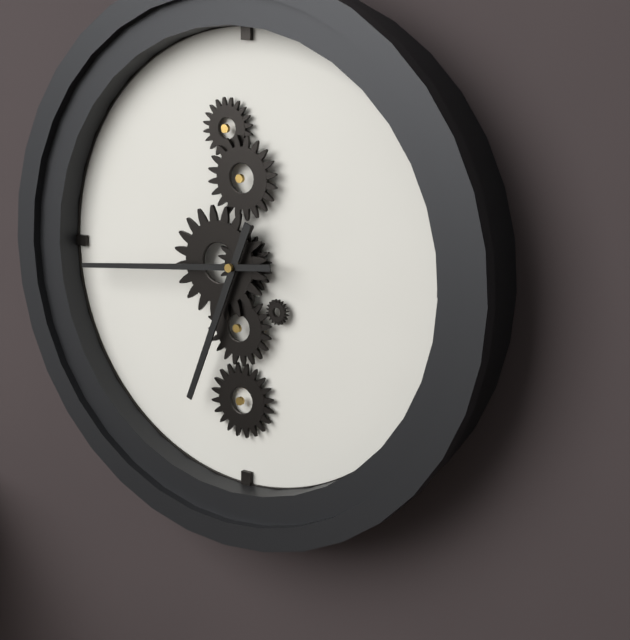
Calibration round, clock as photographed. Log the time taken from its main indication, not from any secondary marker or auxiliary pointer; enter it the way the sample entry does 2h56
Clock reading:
6h44
